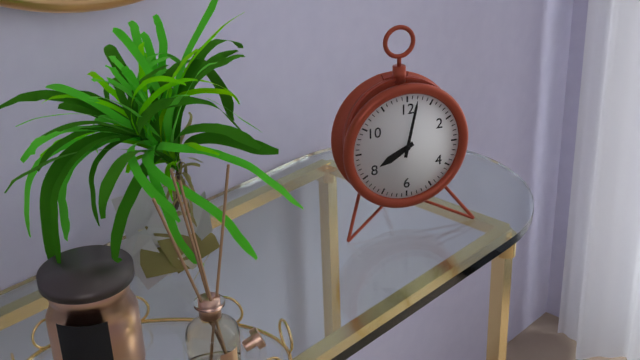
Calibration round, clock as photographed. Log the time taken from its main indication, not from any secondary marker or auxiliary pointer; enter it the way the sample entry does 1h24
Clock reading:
8h02
